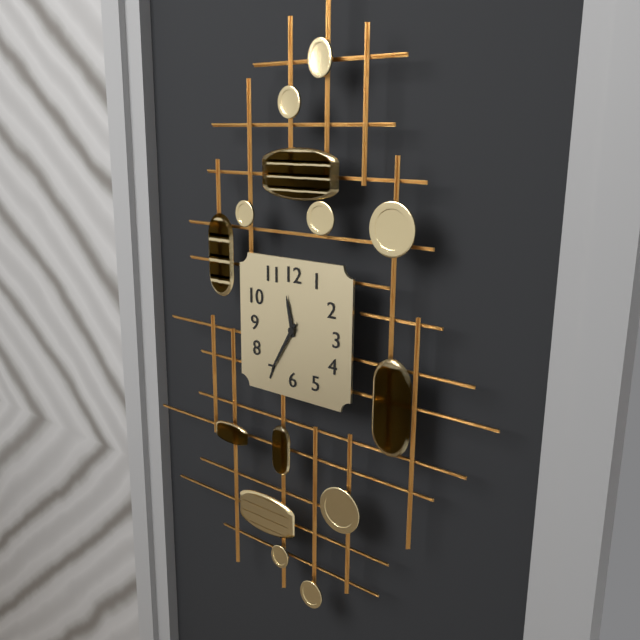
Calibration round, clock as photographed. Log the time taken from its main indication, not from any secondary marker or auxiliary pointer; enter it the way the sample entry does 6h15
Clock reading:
11h35
